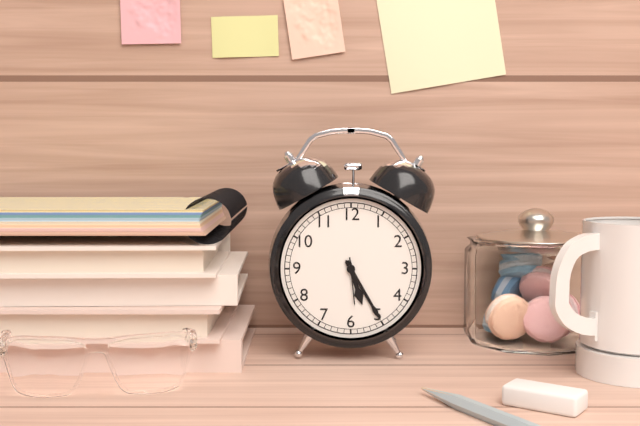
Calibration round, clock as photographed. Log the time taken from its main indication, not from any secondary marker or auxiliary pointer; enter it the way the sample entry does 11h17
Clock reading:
5h25
